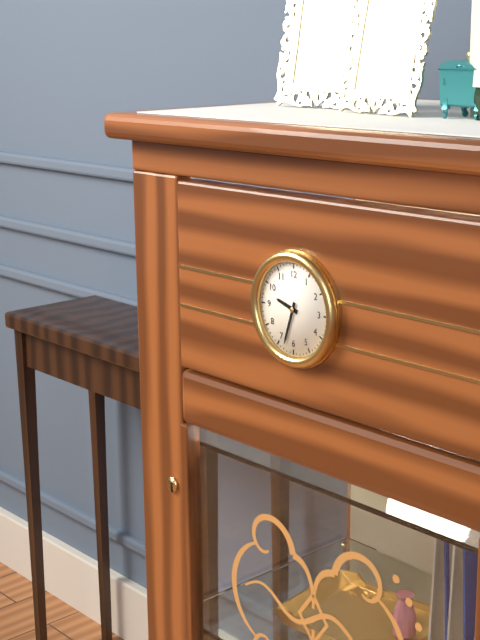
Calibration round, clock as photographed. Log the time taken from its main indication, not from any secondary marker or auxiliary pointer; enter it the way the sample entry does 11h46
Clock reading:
9h33
